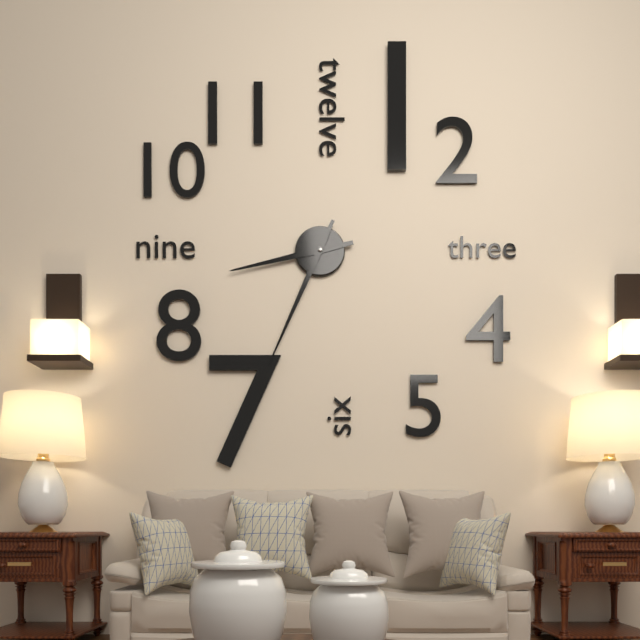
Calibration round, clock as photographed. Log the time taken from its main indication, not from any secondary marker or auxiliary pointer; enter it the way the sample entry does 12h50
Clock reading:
8h34
